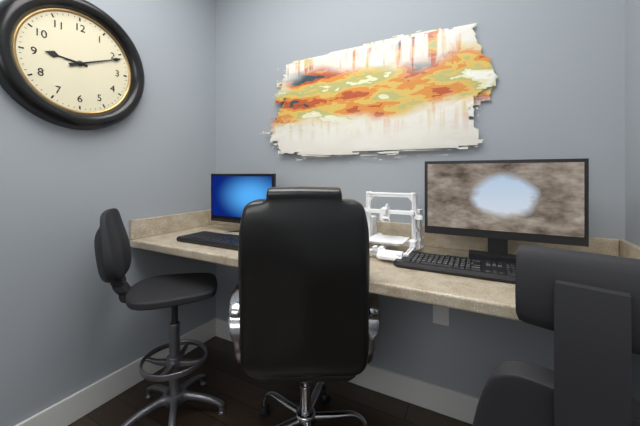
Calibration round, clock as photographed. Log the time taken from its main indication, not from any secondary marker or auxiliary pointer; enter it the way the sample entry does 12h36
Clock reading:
9h11
